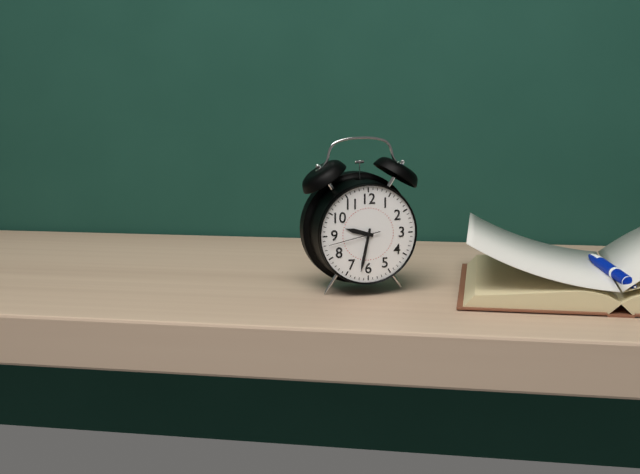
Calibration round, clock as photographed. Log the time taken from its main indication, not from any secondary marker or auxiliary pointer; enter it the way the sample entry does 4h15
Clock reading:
9h32
